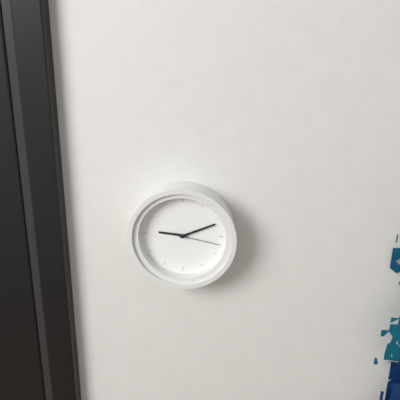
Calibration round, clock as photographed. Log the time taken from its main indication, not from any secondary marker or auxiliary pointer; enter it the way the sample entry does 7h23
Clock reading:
9h11
